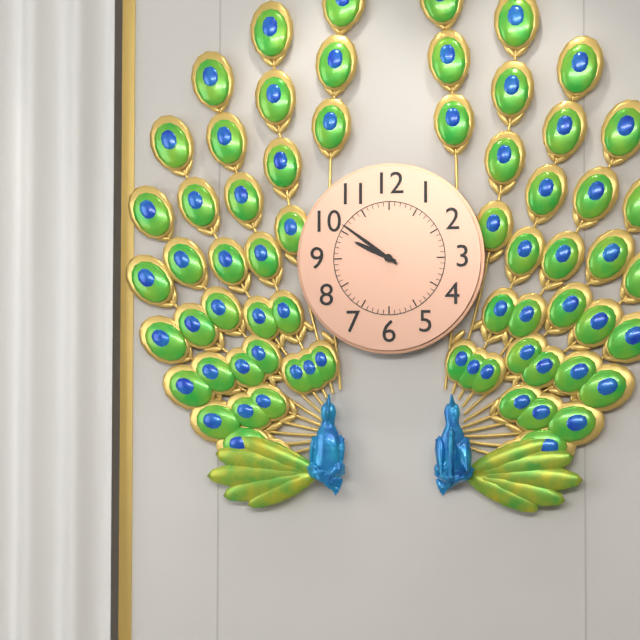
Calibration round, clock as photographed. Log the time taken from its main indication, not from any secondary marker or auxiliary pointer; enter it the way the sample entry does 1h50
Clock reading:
9h51
